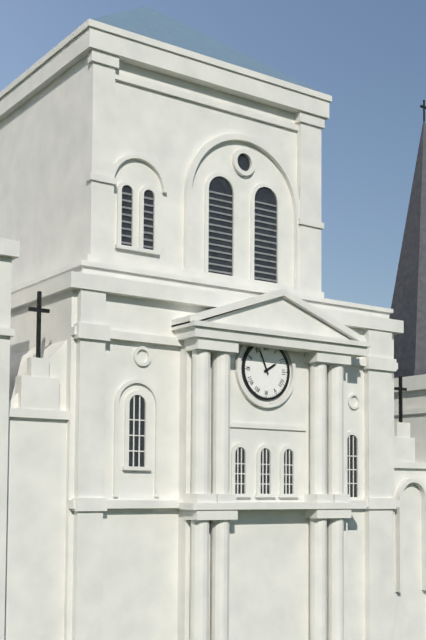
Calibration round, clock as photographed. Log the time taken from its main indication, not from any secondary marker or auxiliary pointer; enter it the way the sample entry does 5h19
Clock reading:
1h56
